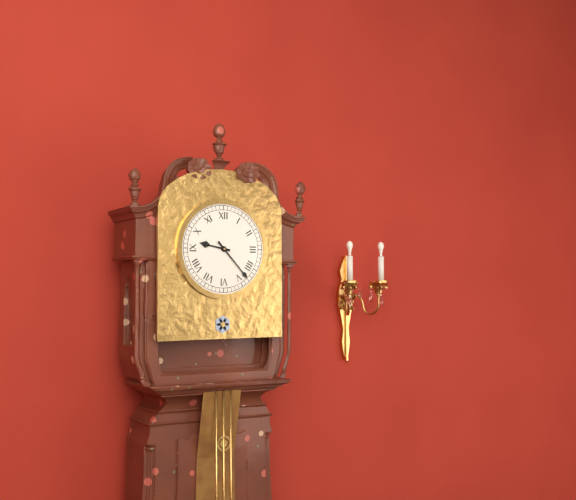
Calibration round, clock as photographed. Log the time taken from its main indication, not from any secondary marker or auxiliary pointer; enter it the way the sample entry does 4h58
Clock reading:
9h23
